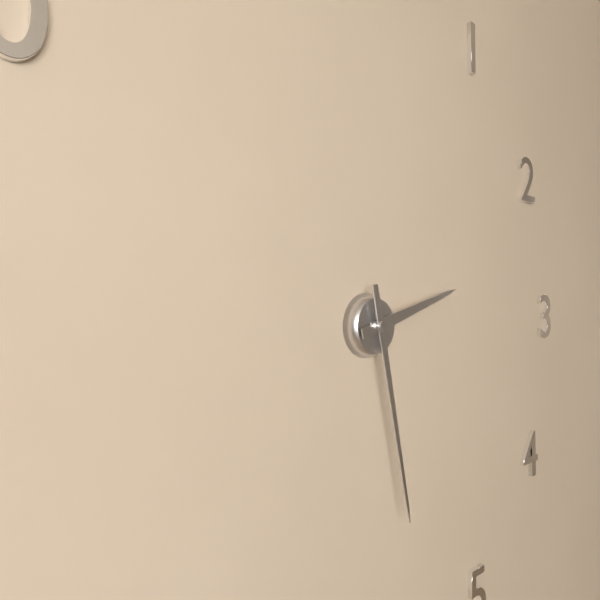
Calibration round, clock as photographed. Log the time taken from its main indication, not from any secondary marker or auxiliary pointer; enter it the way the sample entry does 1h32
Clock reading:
2h28
